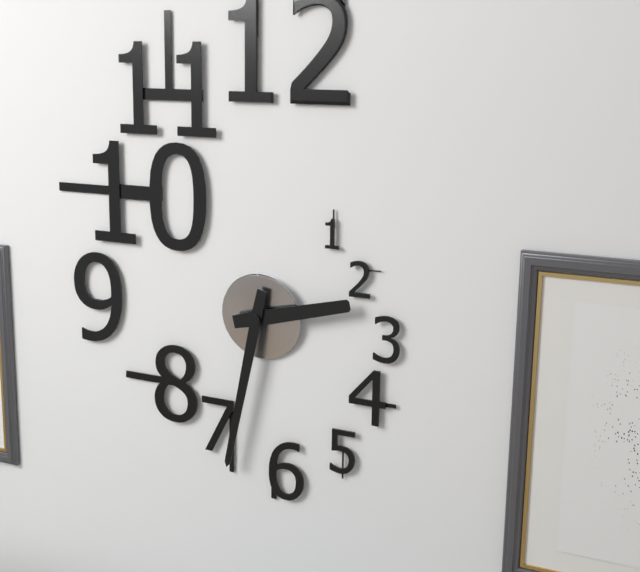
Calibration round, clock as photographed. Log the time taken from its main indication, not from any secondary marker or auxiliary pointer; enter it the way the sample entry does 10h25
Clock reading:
2h32
